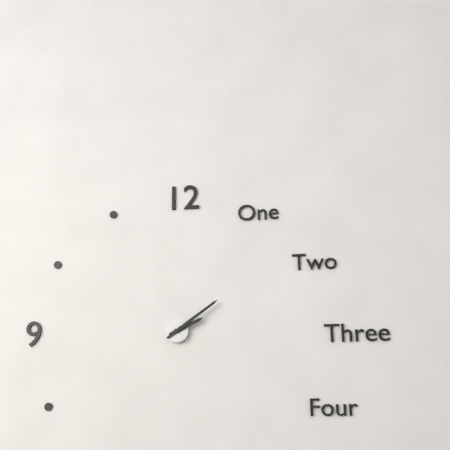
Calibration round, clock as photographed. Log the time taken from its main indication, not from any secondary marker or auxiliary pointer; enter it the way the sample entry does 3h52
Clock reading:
2h09
